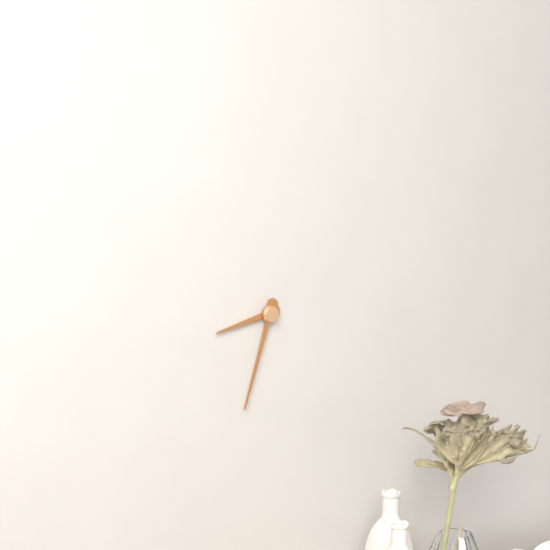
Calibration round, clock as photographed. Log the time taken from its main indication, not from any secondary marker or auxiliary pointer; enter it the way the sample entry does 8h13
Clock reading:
8h33
